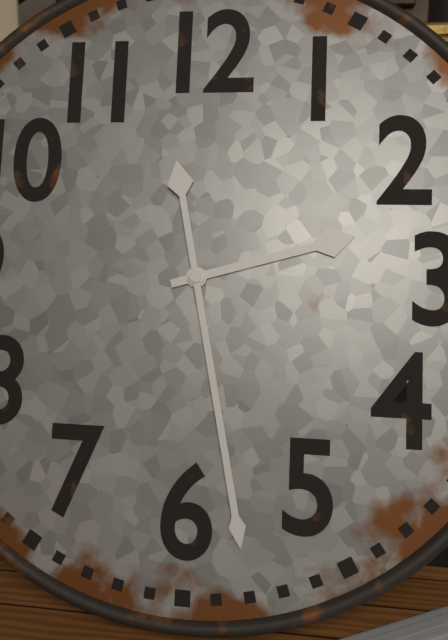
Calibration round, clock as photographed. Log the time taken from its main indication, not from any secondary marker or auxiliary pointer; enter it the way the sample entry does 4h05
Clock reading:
2h28
